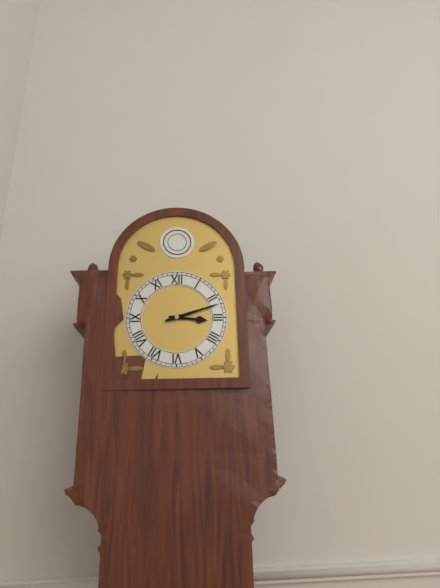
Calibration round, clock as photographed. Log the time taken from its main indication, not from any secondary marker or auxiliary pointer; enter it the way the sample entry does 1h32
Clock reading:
3h12
